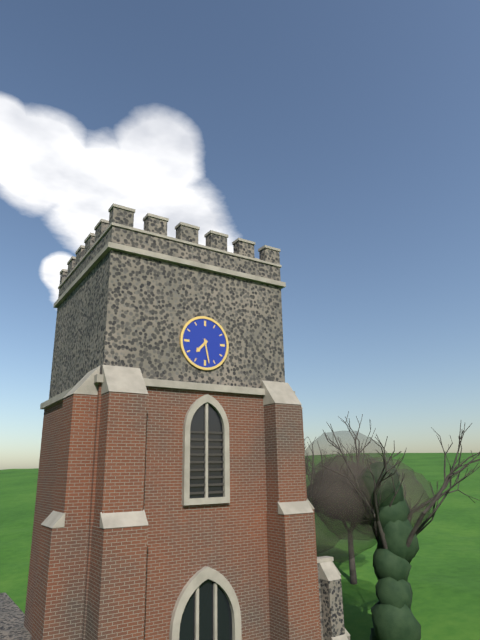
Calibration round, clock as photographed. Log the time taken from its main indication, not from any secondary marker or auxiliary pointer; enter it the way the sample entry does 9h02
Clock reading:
7h28
